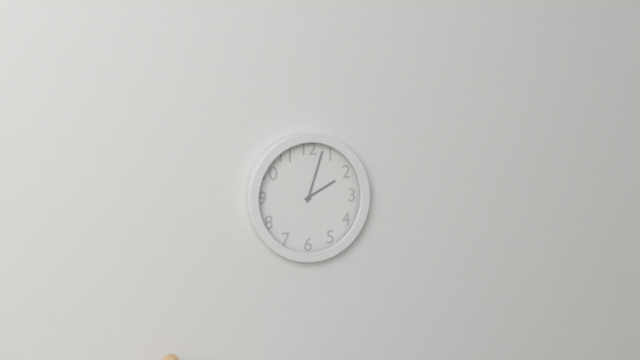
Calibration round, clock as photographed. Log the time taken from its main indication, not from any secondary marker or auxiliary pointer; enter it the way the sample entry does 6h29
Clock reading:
2h03
